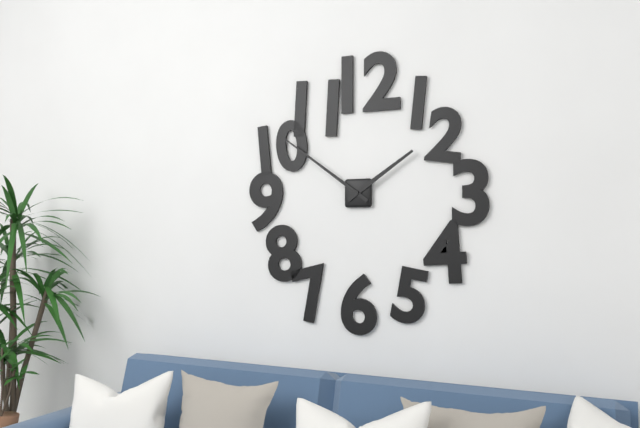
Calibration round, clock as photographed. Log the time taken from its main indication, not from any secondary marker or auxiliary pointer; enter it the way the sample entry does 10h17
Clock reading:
1h51
